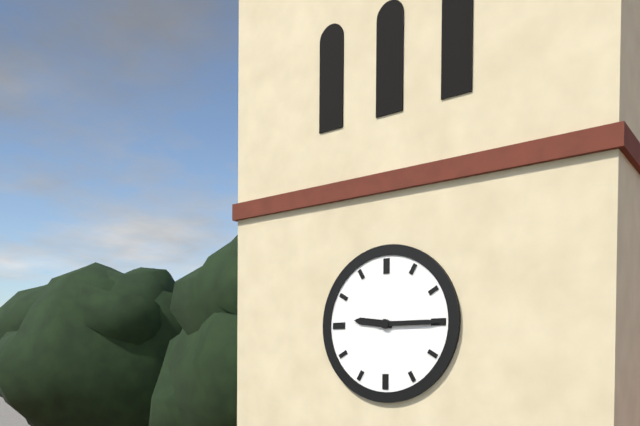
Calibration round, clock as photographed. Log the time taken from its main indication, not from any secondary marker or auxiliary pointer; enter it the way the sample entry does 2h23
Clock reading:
9h15
